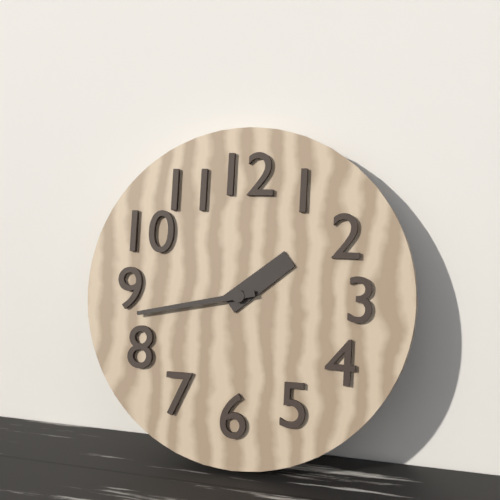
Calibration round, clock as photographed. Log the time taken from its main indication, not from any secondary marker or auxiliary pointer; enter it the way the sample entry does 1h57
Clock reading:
1h43
